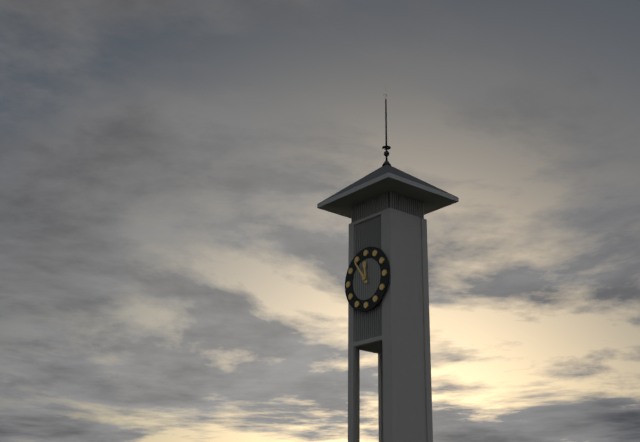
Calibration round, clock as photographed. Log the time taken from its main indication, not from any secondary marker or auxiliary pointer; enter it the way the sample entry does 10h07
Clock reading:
11h54
